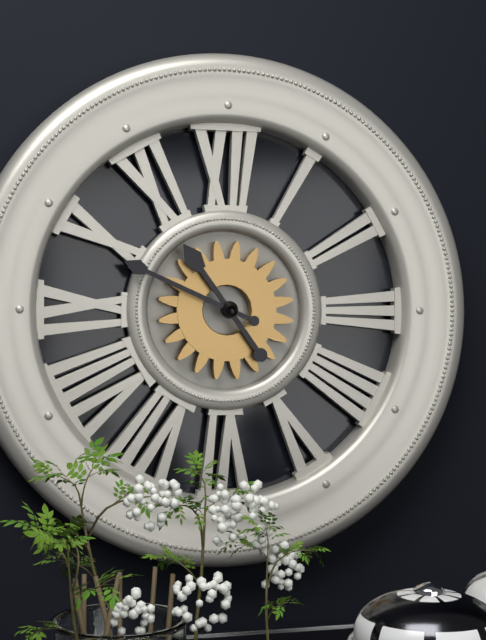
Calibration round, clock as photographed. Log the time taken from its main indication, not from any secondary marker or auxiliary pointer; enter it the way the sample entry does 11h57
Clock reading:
10h49
